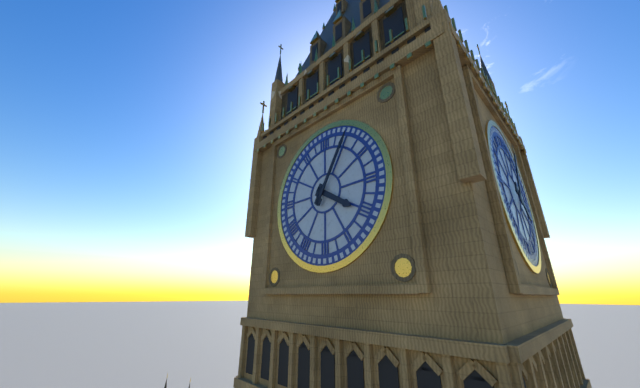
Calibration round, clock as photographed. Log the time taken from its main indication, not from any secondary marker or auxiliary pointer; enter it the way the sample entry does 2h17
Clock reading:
4h05
